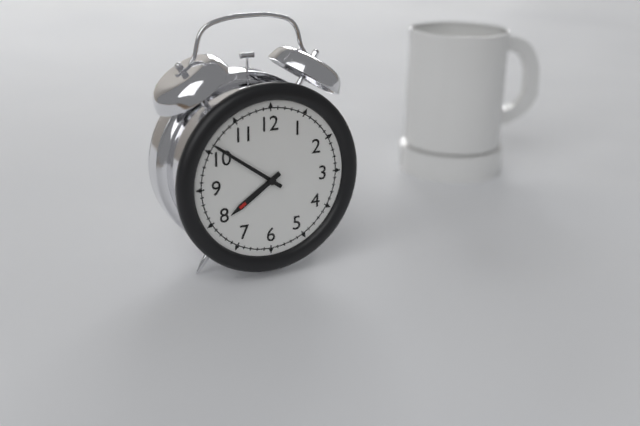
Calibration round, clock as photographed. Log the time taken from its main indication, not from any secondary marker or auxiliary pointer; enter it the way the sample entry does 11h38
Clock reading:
7h51
